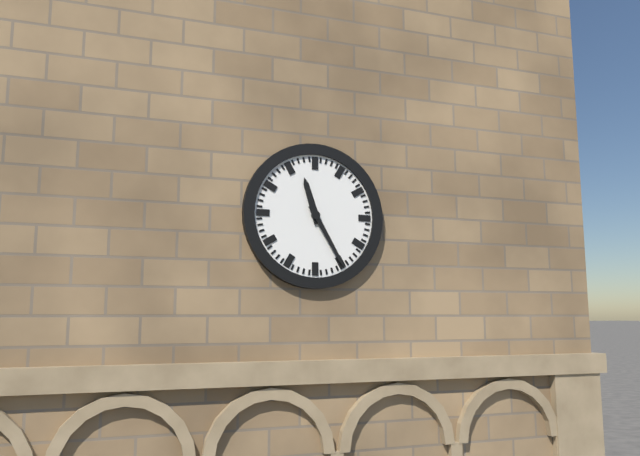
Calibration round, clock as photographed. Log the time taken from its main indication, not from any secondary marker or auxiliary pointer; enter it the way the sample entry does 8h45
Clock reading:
11h25
